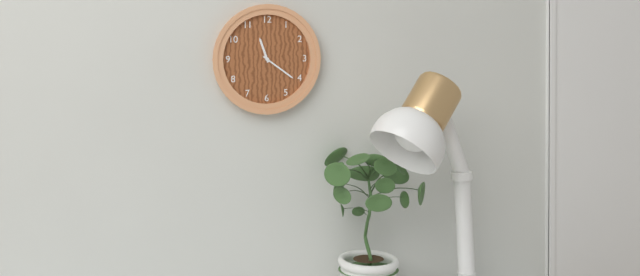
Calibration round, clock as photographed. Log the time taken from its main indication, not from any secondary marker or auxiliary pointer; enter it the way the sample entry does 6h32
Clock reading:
11h21
